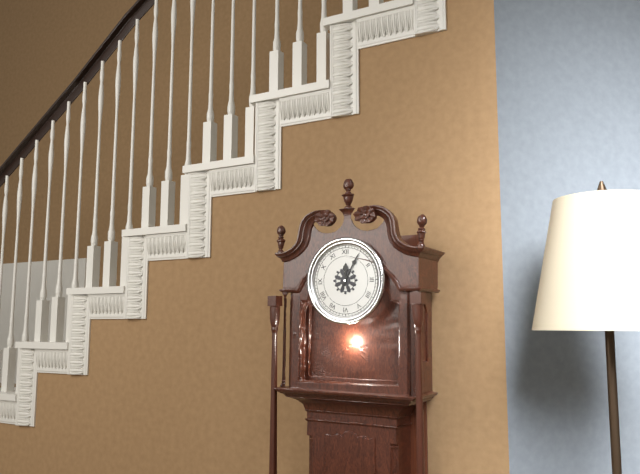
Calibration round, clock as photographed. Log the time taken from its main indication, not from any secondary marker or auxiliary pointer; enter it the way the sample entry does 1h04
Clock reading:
12h05
